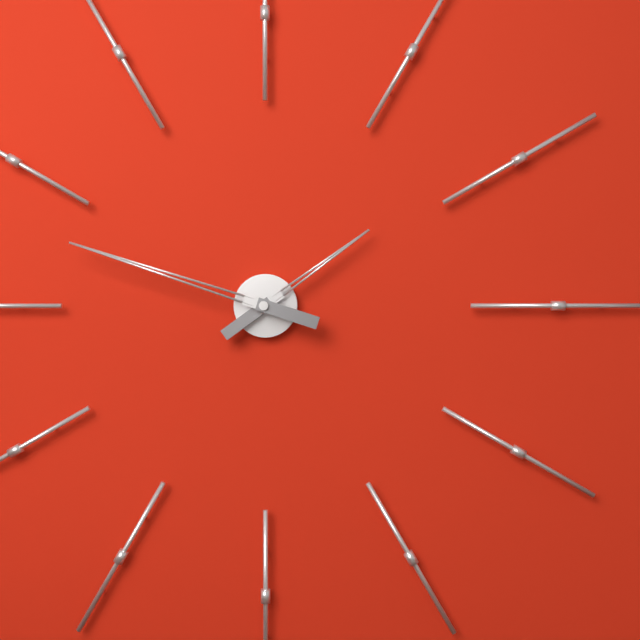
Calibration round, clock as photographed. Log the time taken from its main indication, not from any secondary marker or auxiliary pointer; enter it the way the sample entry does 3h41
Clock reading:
1h48
